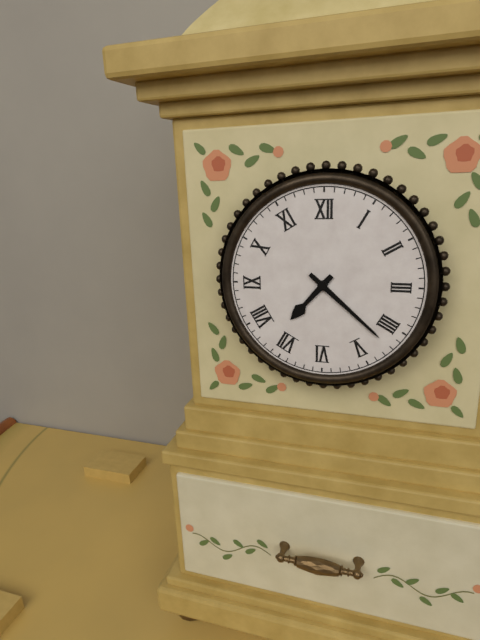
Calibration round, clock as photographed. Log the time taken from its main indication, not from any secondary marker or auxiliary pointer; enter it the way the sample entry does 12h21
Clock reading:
7h22
